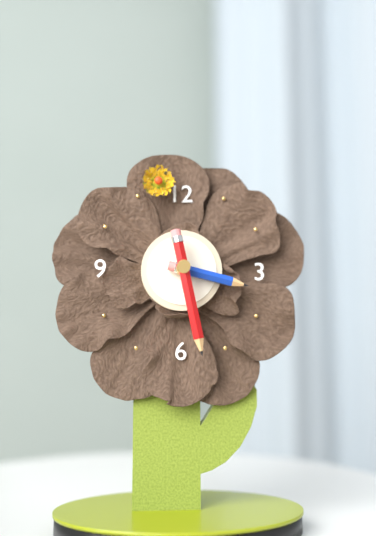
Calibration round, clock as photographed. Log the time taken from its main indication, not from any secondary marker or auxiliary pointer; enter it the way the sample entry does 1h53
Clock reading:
3h28
